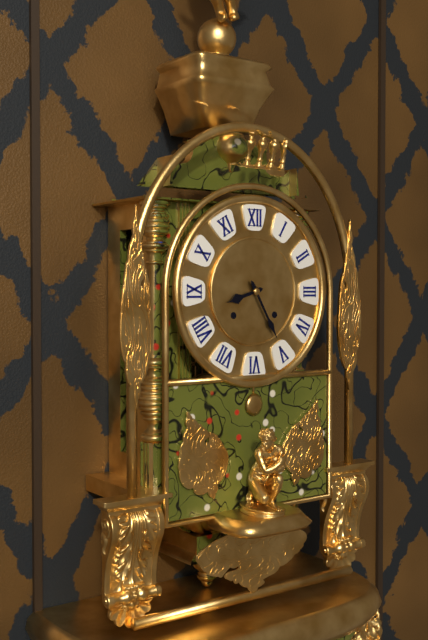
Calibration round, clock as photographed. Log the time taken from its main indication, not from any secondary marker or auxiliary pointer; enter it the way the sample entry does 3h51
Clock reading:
8h25
